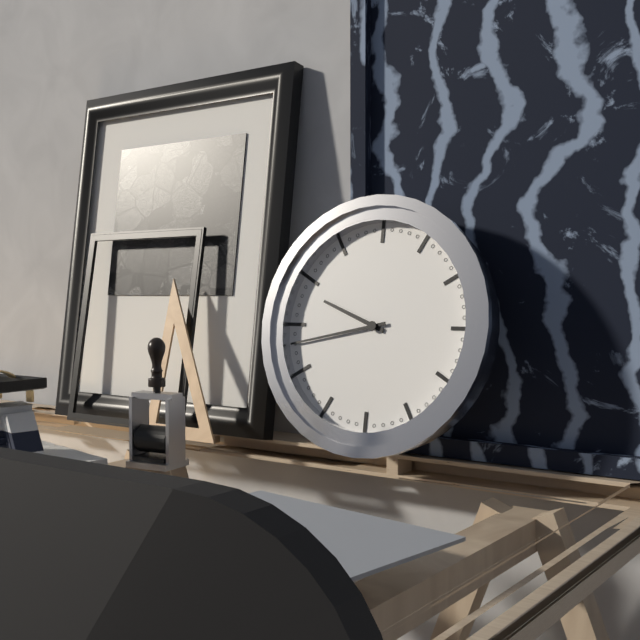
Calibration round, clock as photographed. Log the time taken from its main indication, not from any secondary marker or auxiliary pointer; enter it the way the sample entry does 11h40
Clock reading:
9h43
